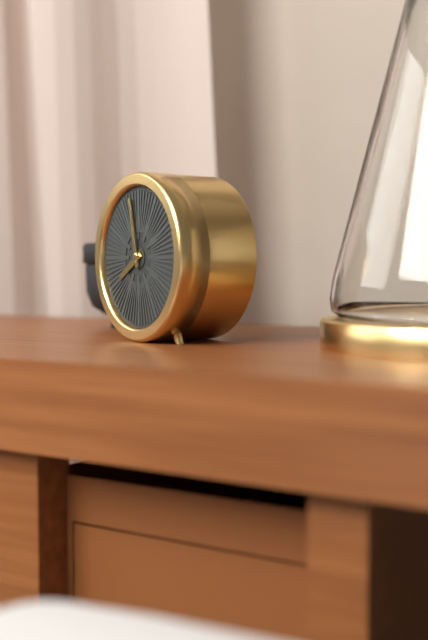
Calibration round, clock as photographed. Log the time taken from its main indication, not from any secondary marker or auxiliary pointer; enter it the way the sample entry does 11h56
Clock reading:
7h58
